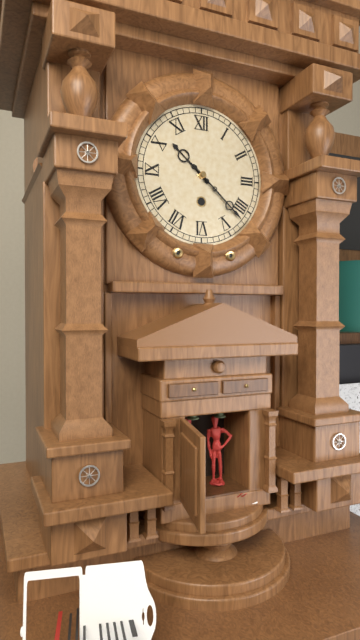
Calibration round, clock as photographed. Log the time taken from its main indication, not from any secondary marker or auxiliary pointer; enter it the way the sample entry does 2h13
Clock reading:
10h22
